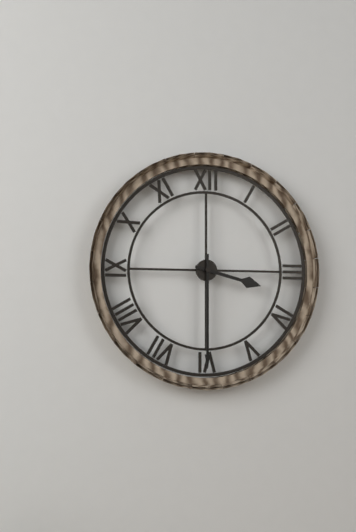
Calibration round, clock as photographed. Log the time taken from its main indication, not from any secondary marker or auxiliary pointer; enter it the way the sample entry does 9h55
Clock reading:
3h30
